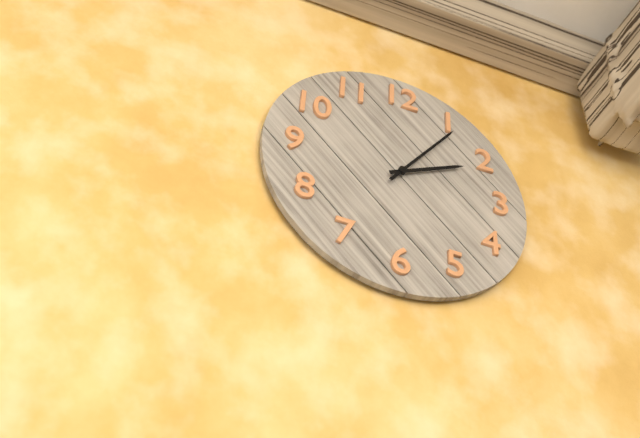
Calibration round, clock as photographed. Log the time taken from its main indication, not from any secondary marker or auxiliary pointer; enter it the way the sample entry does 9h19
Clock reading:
2h06
